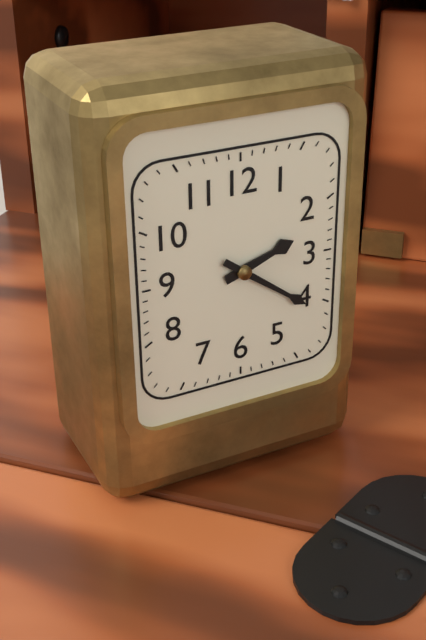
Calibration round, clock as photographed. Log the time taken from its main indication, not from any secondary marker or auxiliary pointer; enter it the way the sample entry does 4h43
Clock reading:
2h21
